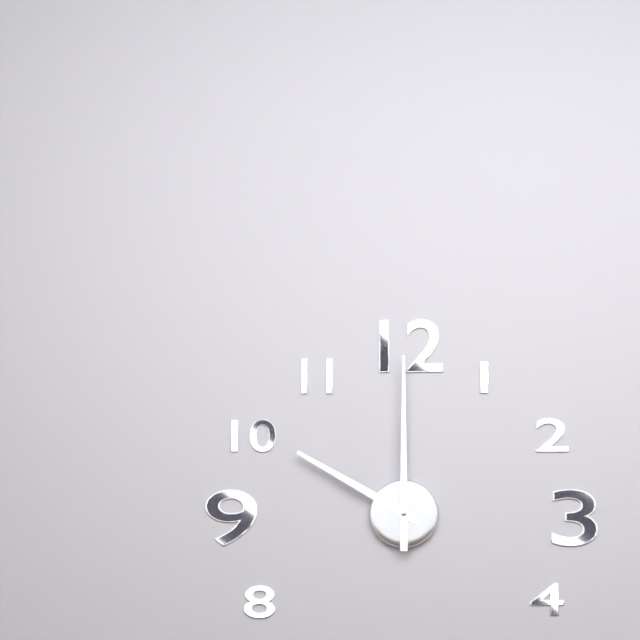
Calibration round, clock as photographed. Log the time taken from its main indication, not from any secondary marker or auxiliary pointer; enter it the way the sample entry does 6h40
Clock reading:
10h00
